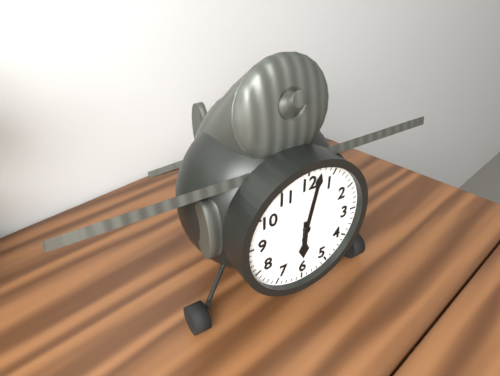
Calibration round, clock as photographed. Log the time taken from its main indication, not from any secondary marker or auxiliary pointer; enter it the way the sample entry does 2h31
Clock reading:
6h02
